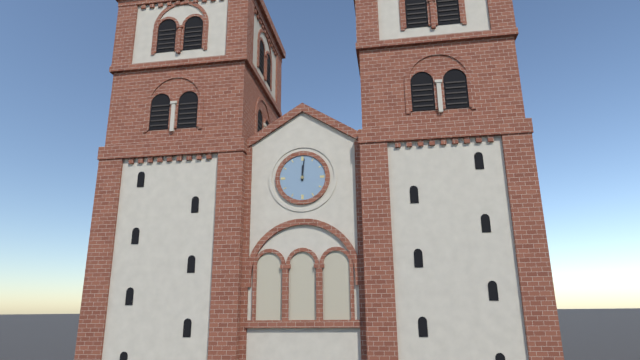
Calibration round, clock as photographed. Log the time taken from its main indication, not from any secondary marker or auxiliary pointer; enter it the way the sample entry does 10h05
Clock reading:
12h01
